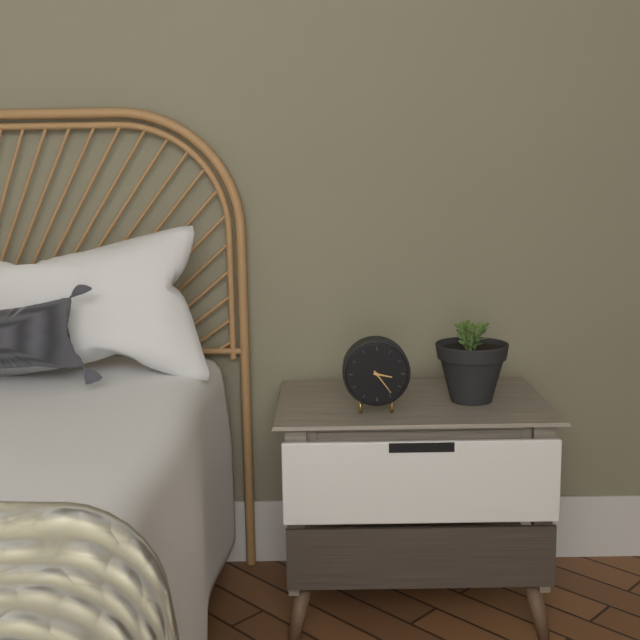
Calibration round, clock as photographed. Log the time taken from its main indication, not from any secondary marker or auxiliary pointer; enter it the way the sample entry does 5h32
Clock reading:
3h24
